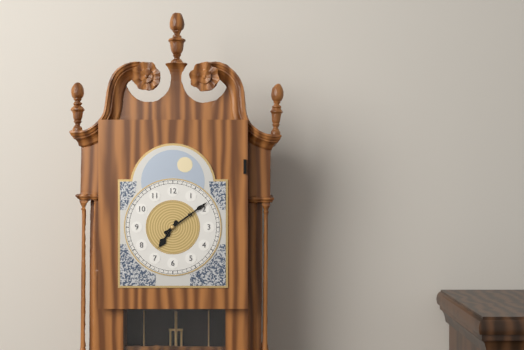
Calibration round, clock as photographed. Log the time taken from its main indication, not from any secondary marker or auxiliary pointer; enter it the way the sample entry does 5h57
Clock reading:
7h09
